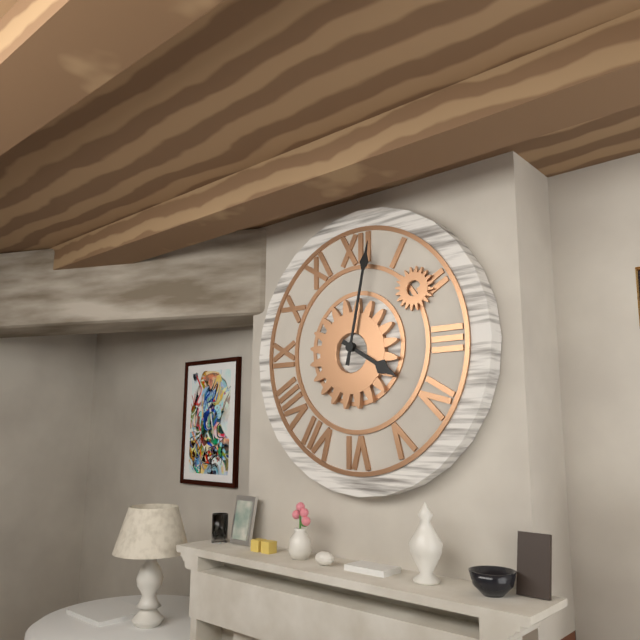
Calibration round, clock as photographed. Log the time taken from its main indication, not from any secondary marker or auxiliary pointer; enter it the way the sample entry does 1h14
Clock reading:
4h02
